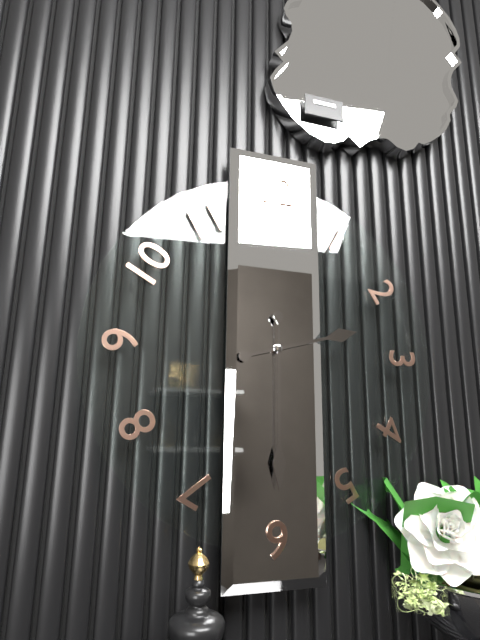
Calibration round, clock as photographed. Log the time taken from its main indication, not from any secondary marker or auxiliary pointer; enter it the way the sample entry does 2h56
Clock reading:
2h30
